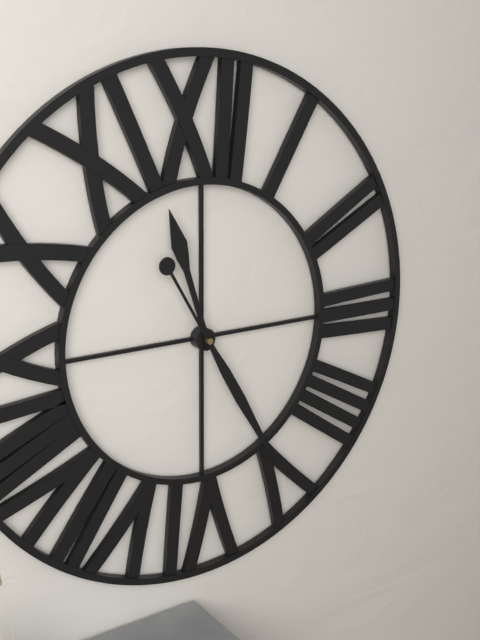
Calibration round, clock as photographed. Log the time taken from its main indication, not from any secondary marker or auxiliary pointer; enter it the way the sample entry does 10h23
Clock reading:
11h25
